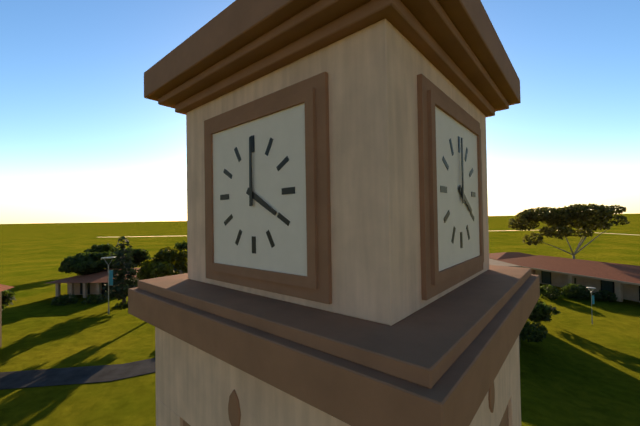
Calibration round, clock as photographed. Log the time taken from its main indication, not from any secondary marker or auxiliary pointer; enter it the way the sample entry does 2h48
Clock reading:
4h00
